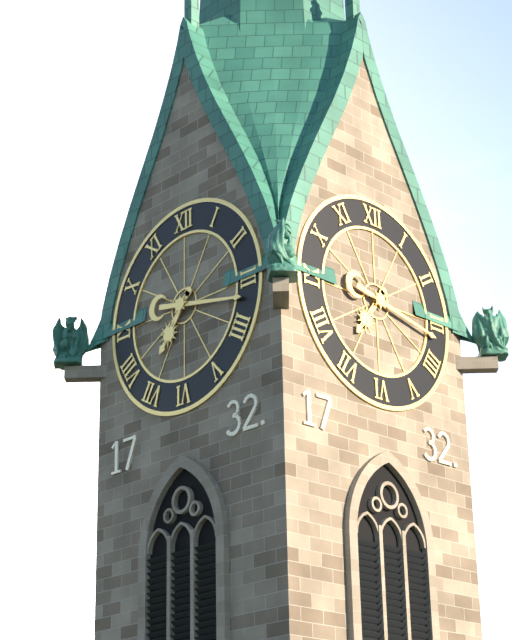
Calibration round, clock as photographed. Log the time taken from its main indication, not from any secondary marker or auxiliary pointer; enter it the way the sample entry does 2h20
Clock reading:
7h17
